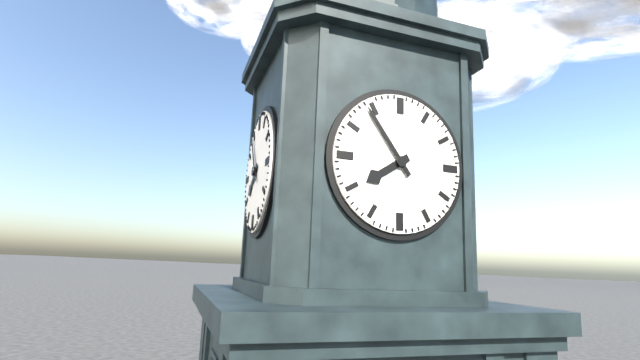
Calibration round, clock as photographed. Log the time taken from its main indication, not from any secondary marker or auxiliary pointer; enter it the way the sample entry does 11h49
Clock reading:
7h54
